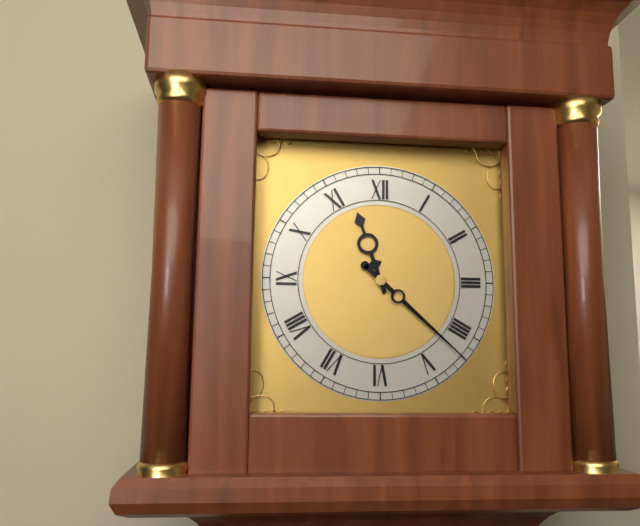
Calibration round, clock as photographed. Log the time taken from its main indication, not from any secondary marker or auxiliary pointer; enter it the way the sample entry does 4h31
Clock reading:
11h22
